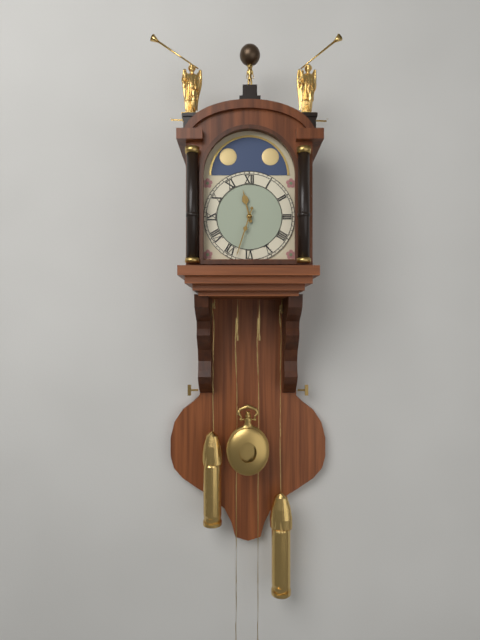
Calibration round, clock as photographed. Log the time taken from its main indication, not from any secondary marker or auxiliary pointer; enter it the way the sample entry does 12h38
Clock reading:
11h33
